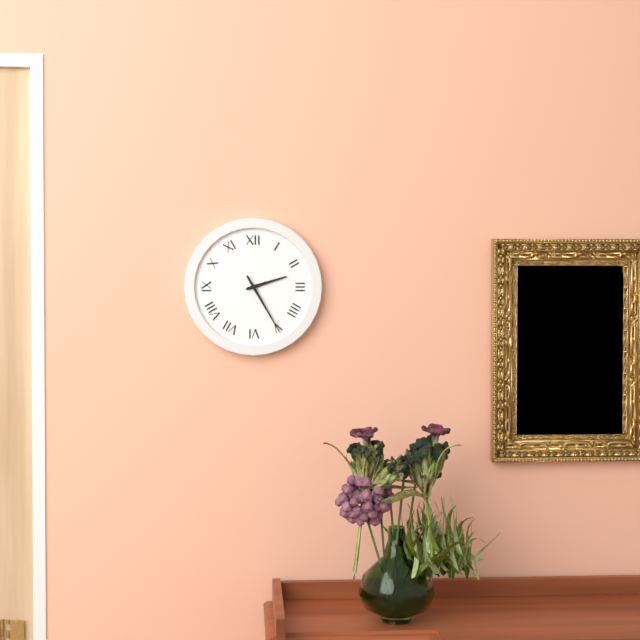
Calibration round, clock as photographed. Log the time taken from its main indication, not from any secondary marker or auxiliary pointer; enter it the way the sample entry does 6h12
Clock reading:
2h25
